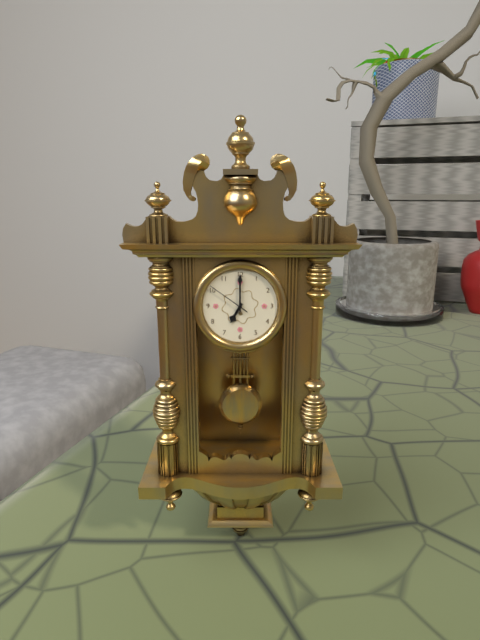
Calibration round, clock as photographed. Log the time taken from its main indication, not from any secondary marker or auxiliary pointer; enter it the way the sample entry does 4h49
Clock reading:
7h00
